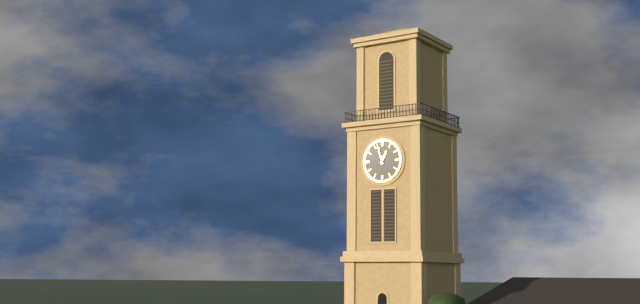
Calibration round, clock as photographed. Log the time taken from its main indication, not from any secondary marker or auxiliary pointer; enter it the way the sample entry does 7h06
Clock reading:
12h57
